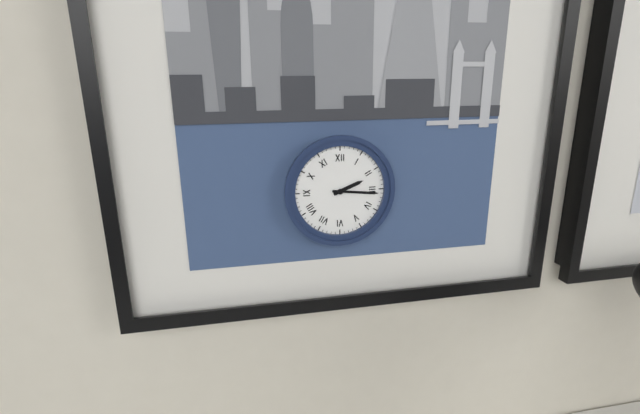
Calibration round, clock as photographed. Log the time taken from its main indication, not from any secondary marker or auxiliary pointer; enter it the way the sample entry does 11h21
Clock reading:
2h16
